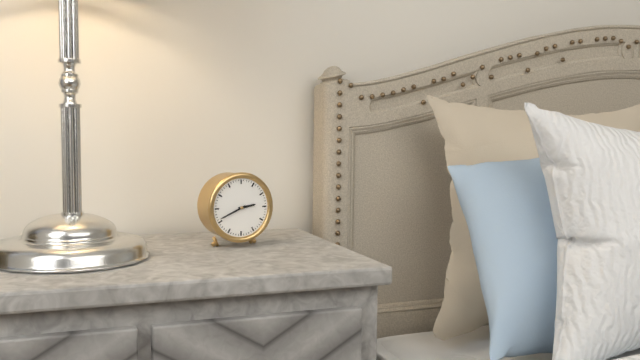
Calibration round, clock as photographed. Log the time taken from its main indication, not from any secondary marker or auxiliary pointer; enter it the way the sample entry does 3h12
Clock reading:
2h41
